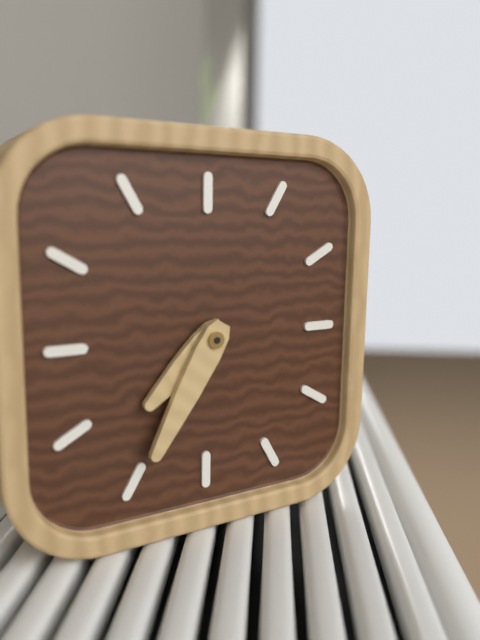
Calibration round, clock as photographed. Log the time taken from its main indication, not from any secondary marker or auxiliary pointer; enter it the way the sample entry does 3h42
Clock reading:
7h35
